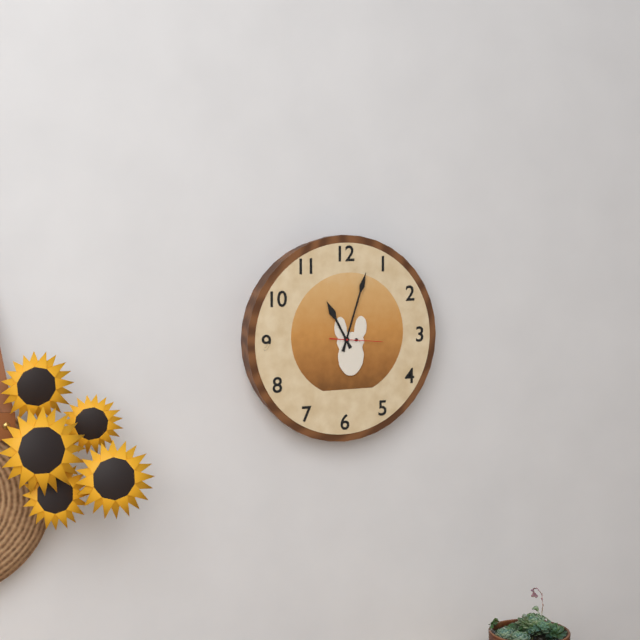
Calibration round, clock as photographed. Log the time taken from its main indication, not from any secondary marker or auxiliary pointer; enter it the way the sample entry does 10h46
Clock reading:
11h03
